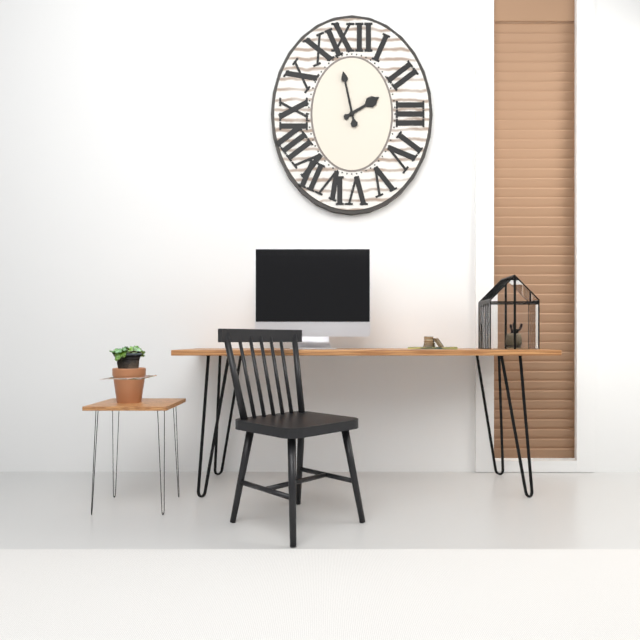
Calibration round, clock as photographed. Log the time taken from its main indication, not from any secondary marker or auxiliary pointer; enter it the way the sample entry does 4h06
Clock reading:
1h58
